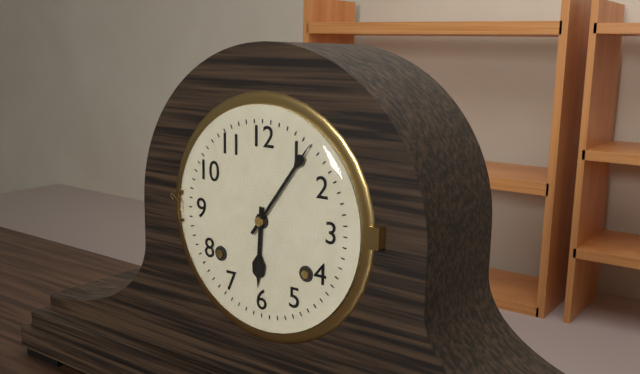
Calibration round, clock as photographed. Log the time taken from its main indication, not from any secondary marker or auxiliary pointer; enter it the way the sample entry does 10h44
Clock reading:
6h06
